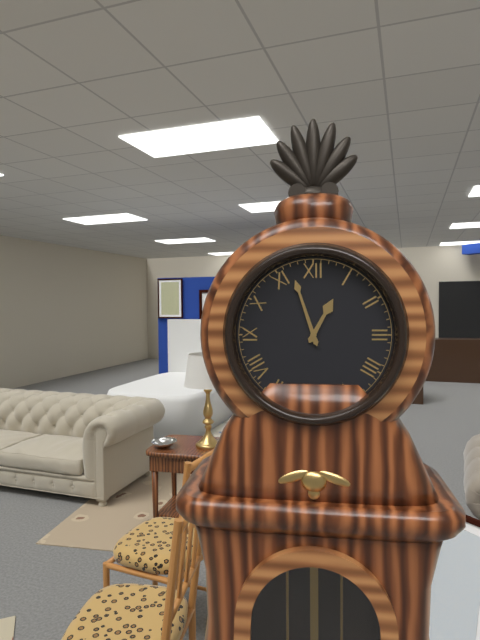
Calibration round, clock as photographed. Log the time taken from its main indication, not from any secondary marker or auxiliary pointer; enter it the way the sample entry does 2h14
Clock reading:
12h57
